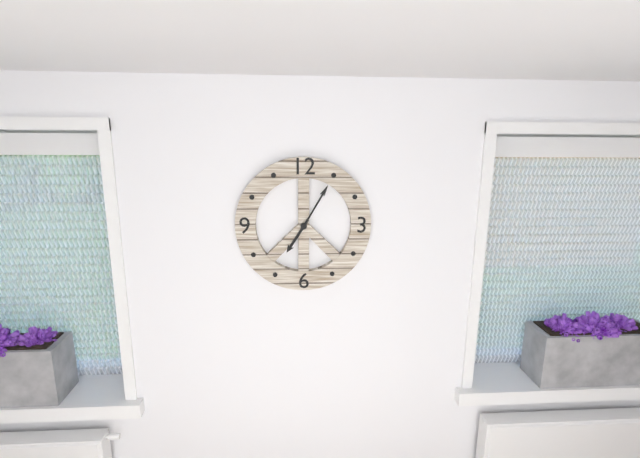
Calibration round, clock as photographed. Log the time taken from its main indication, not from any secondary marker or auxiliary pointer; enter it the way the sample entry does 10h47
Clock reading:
7h05
